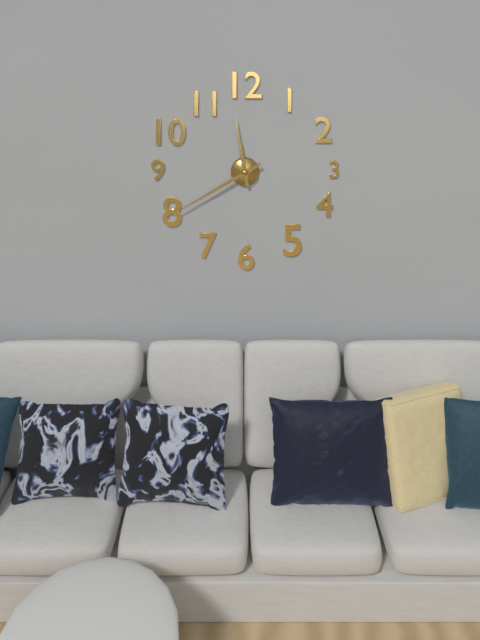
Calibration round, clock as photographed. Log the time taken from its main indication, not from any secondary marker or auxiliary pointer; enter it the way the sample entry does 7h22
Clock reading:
11h40
